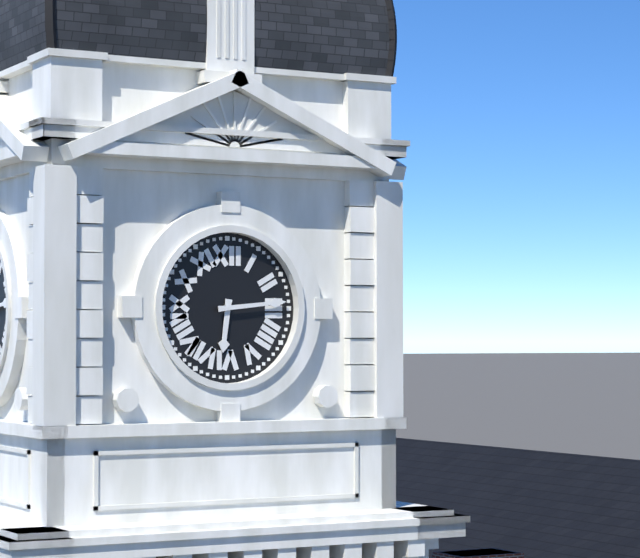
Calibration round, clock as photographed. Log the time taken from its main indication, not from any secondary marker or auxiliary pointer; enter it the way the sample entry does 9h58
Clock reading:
6h14
